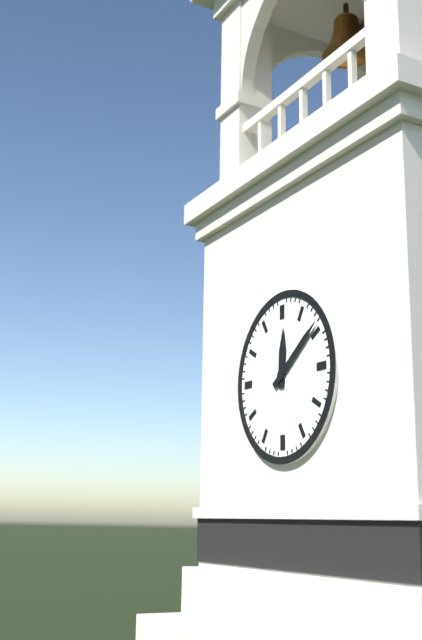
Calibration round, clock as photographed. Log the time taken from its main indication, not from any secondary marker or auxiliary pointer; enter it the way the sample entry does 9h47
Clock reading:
12h09
